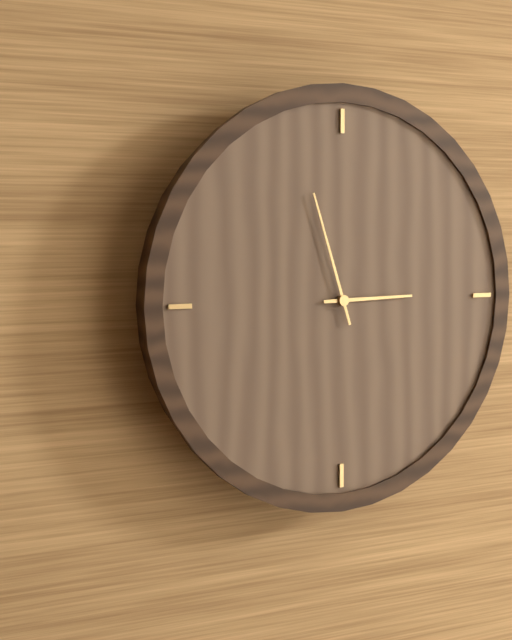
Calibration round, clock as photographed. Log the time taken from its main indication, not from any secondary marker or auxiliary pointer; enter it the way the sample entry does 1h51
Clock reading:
2h57
